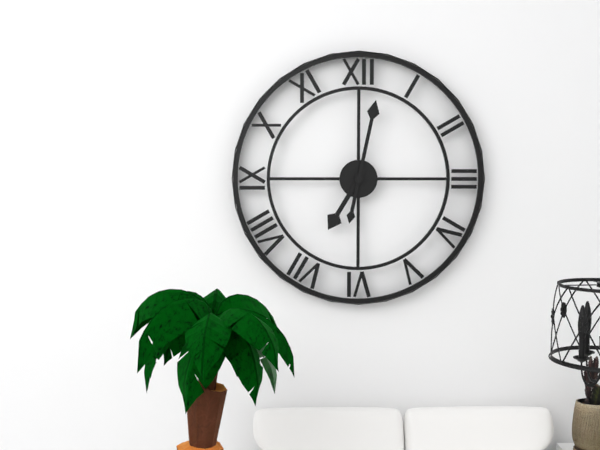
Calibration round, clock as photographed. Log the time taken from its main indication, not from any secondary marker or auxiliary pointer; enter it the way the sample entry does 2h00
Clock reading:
7h02
